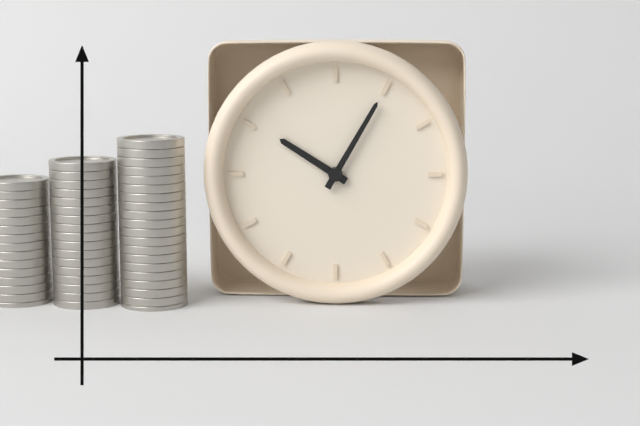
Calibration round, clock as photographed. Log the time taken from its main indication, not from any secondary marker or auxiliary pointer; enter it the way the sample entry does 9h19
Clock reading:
10h05
